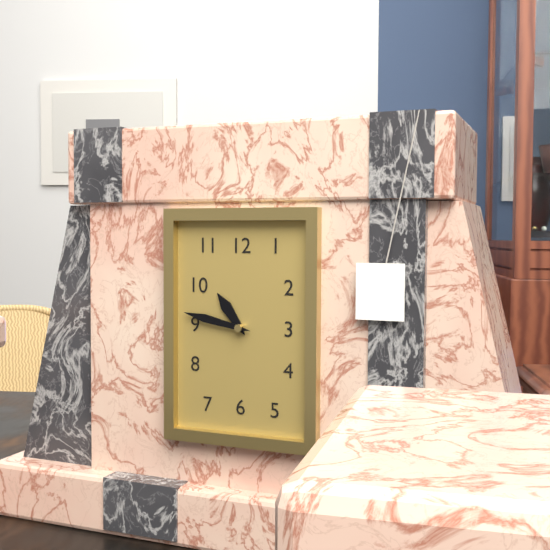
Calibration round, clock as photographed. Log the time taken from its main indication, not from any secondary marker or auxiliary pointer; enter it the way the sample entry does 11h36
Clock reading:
10h47
